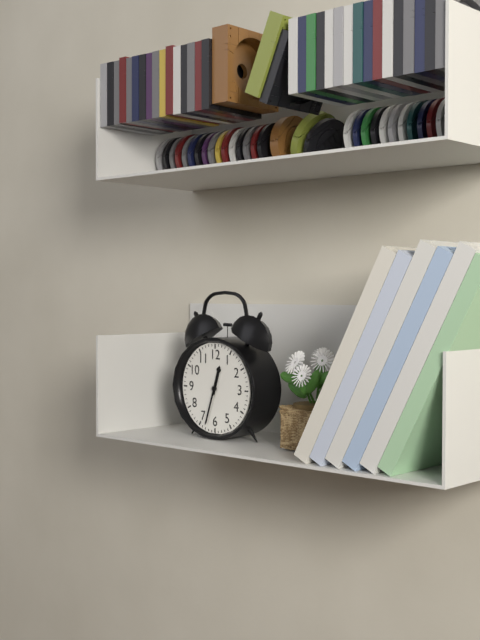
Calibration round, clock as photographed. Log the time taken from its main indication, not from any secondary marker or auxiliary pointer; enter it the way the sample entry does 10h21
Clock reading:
12h33
